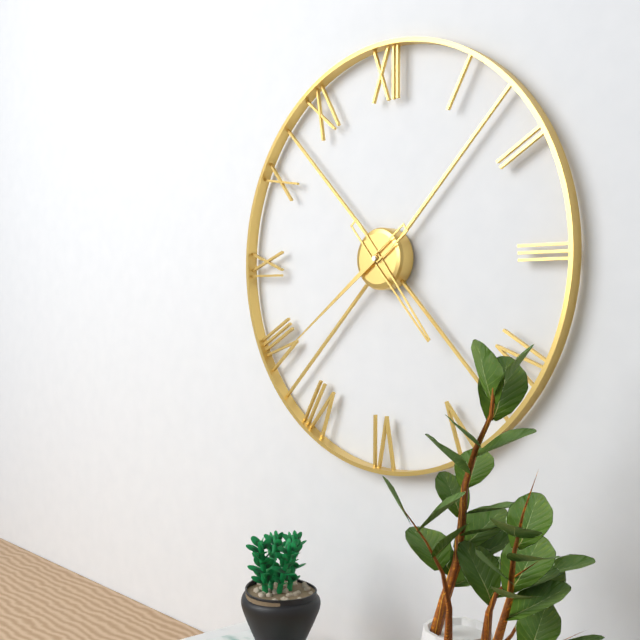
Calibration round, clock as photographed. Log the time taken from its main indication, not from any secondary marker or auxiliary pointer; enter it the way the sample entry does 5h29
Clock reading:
4h39
